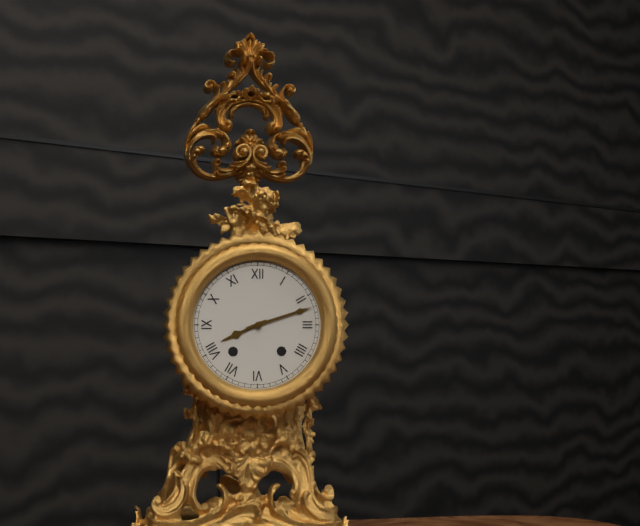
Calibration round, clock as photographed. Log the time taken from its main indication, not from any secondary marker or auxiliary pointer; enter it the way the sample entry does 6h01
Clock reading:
8h12
